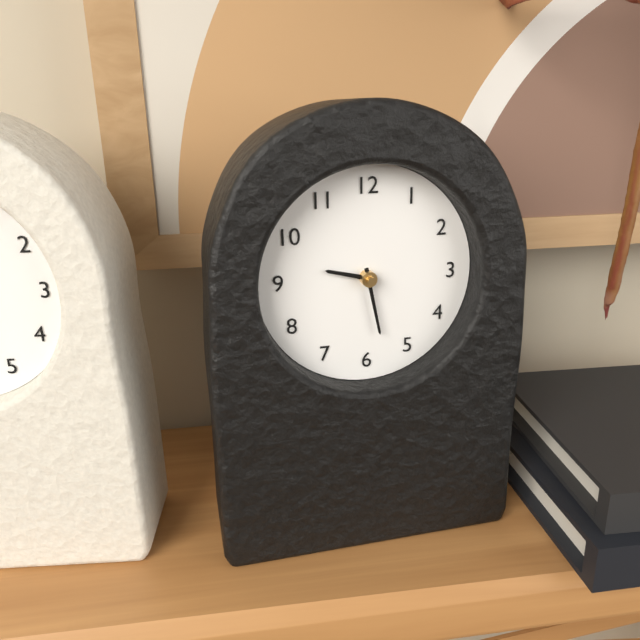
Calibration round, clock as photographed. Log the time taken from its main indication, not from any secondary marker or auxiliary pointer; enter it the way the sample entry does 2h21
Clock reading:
9h28
